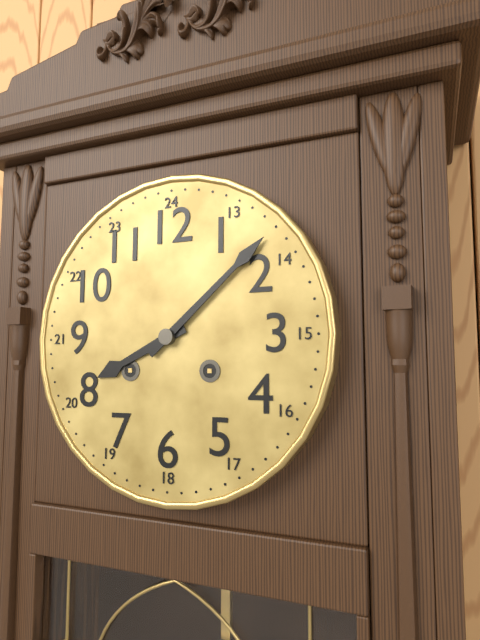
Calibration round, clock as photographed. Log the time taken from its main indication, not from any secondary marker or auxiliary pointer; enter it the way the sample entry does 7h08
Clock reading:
8h08
